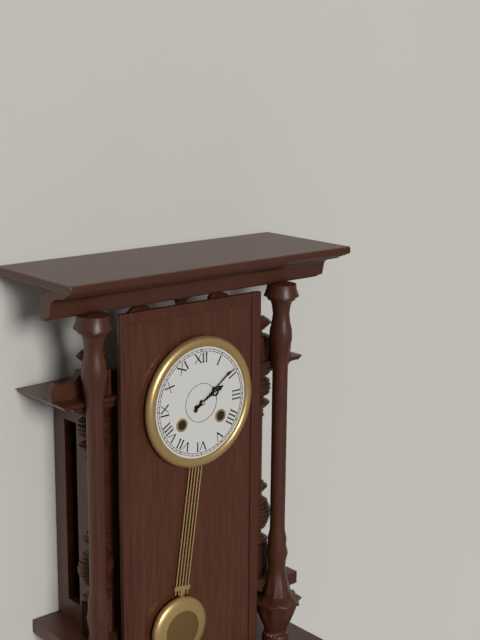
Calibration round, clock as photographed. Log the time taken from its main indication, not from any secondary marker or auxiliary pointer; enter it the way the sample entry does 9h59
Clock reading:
2h09
